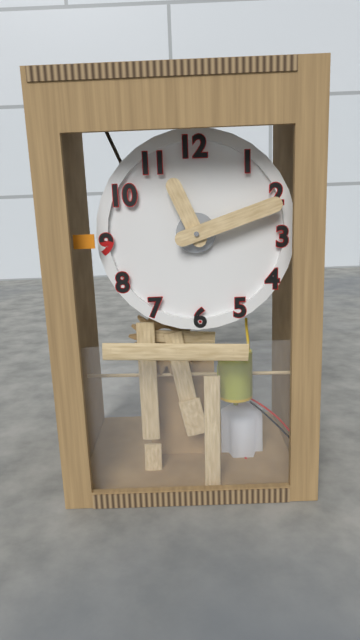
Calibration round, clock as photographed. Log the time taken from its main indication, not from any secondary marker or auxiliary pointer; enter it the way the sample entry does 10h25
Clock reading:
11h12
